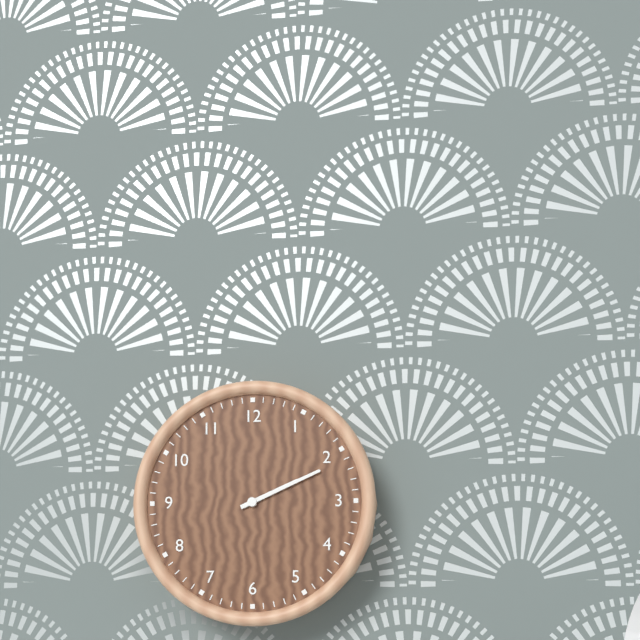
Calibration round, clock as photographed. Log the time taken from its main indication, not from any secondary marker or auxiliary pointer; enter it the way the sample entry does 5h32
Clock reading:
2h11
